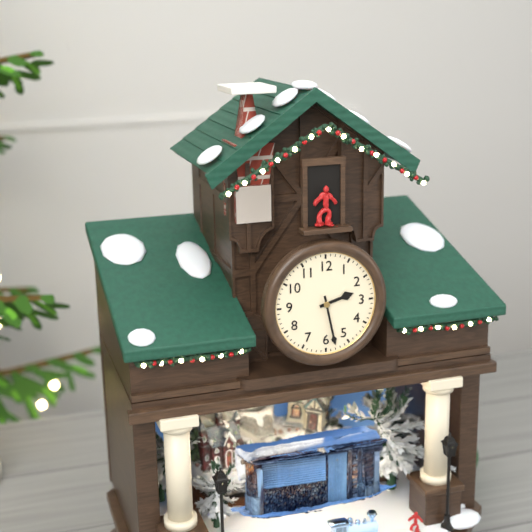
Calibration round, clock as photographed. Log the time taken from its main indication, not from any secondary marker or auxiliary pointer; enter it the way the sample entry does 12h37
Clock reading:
2h28
